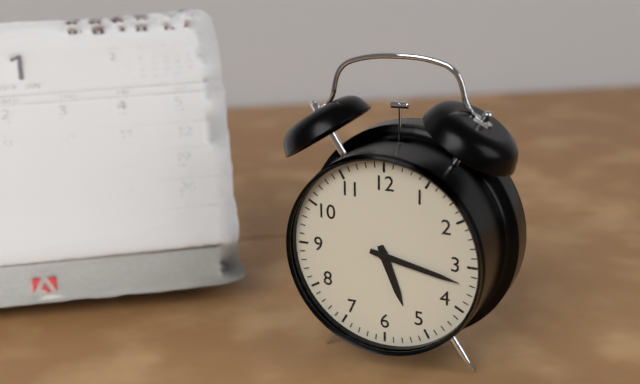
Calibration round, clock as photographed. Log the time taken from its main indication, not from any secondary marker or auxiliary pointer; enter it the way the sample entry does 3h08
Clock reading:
5h17
